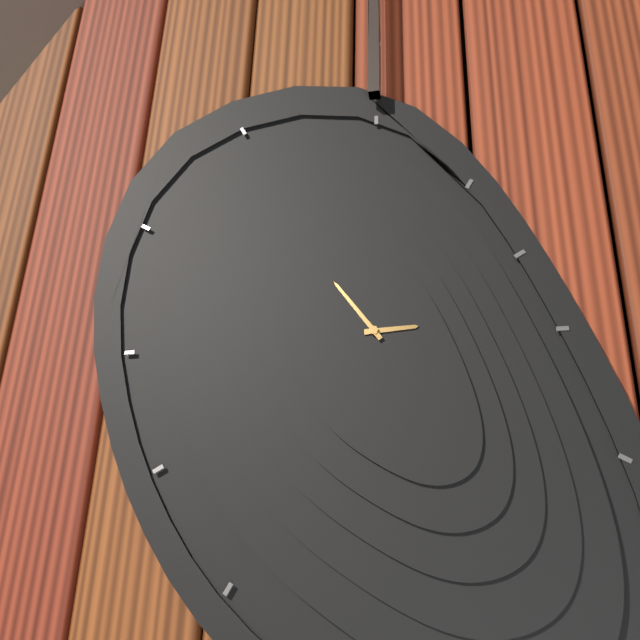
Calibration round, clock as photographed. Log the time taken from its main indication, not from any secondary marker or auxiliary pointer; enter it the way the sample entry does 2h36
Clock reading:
2h54
